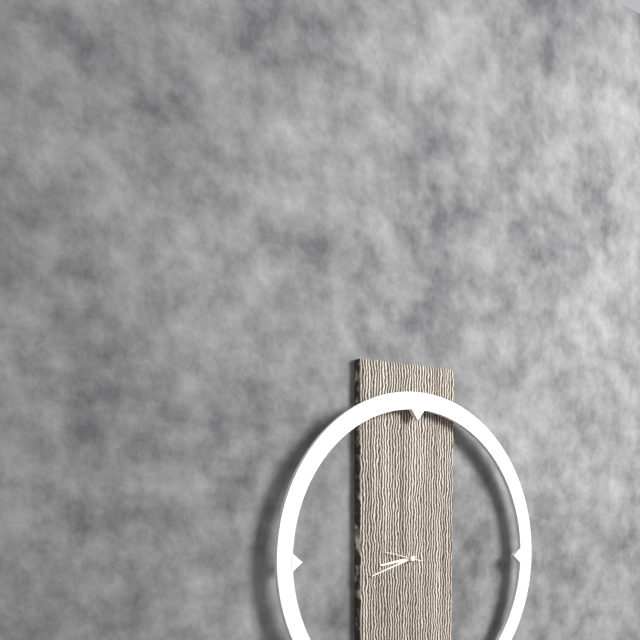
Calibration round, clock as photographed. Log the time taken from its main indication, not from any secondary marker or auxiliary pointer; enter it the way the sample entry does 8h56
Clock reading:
8h42
